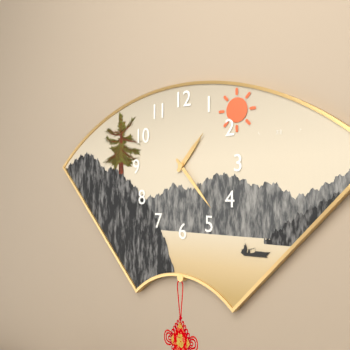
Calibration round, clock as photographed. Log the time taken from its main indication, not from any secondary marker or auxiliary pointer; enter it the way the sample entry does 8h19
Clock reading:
1h23
